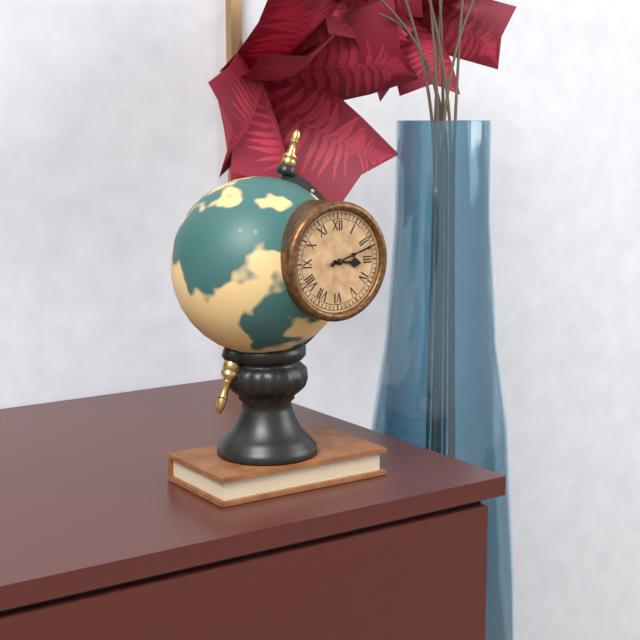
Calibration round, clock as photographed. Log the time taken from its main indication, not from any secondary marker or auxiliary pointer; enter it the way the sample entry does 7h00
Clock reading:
3h12
